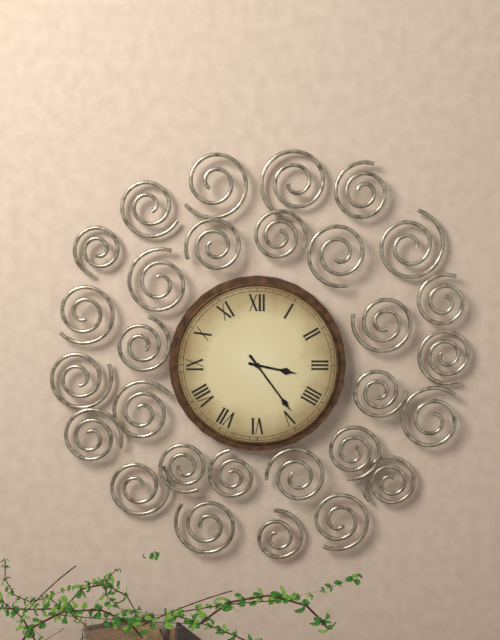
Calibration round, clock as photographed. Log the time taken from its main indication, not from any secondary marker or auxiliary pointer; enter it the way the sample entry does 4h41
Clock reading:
3h24
